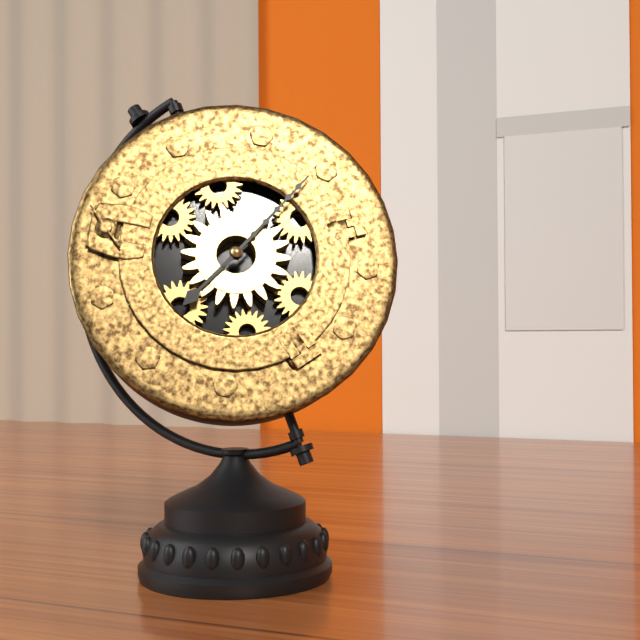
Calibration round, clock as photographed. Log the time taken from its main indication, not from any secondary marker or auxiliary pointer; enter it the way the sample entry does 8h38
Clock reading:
7h05
